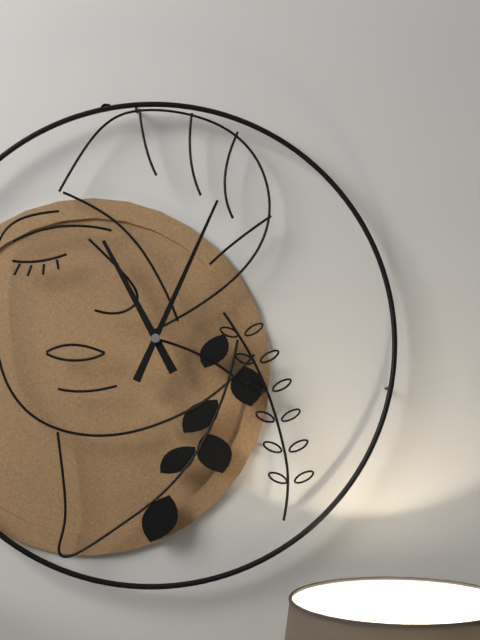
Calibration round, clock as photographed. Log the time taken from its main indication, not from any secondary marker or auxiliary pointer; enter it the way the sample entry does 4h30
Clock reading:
11h04
